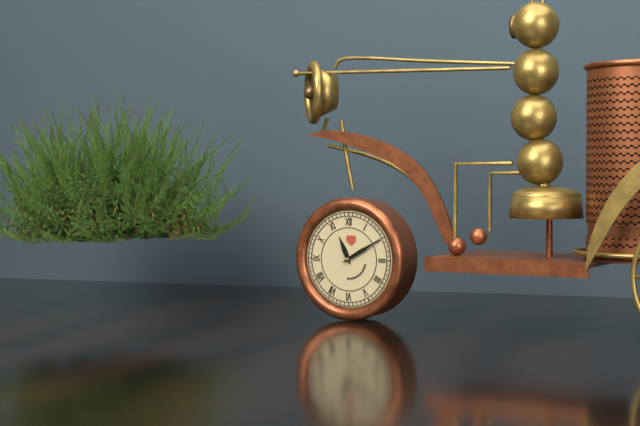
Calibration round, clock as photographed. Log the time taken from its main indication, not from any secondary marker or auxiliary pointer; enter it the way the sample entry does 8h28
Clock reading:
11h10
